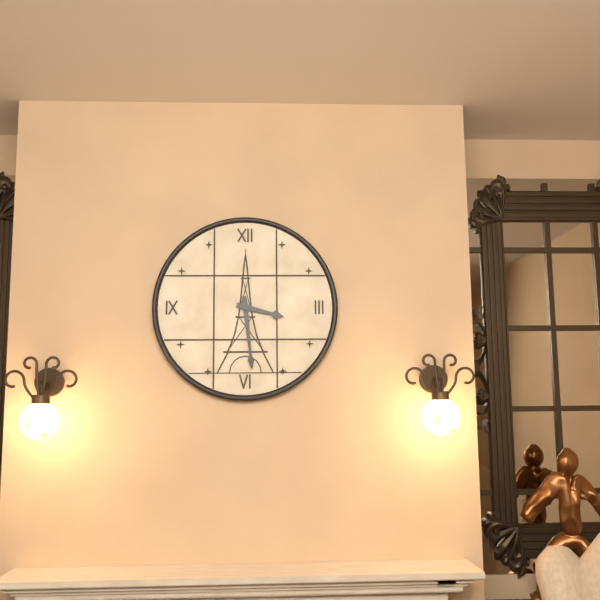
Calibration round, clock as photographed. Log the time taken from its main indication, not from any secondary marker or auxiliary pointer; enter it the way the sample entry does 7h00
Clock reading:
3h29
